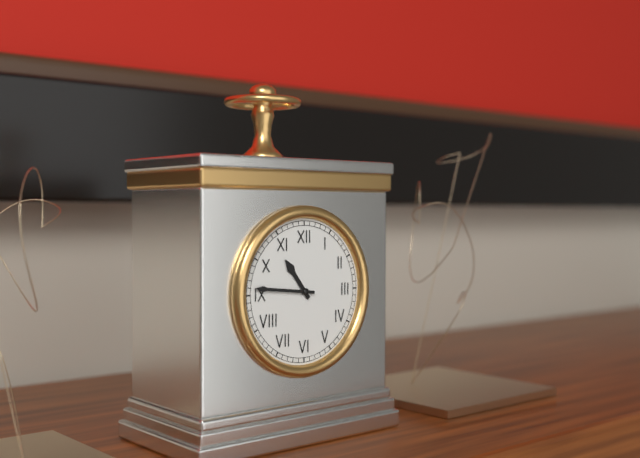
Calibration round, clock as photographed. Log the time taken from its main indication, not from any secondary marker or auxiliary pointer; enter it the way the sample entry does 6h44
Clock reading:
10h46
